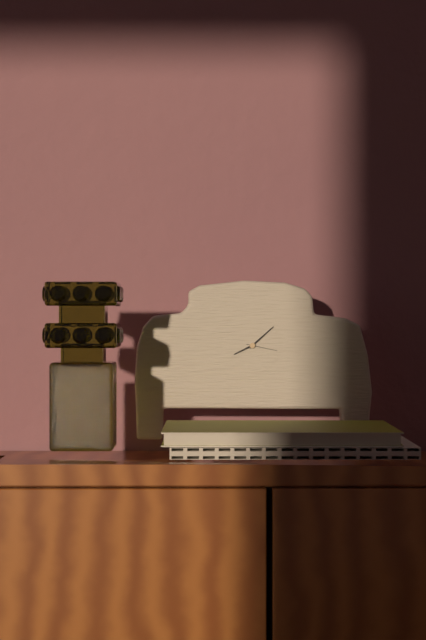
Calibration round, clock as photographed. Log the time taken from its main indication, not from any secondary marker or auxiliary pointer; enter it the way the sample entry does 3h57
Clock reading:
8h08
